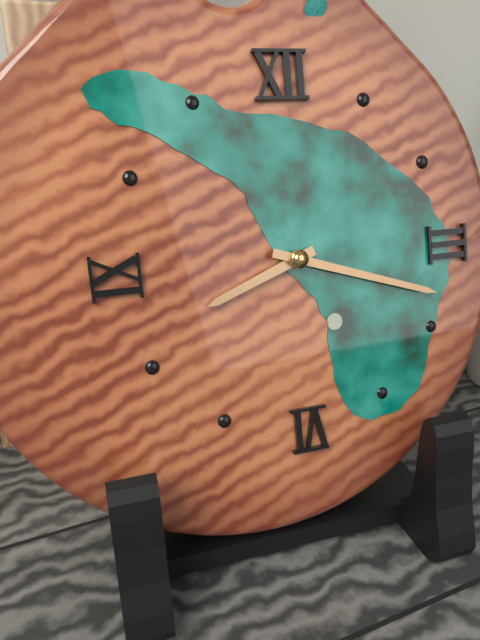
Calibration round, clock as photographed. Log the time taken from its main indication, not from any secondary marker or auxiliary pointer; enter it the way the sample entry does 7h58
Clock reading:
8h18
